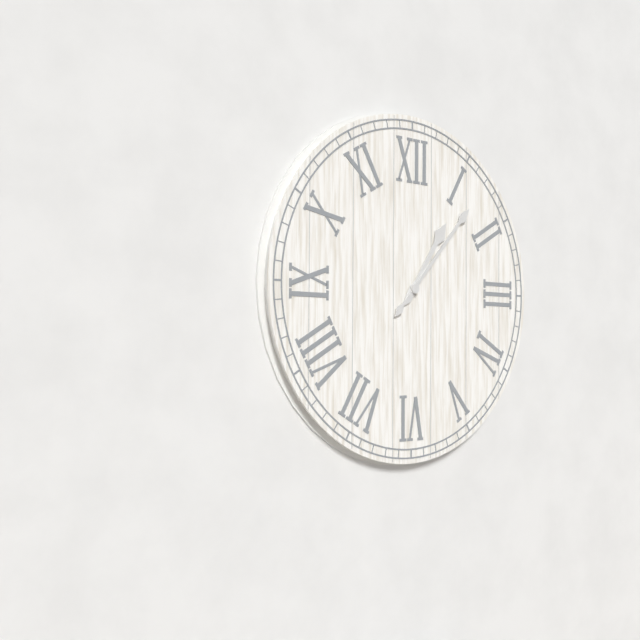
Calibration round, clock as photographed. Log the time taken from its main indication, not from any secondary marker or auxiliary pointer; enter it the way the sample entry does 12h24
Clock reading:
1h07
